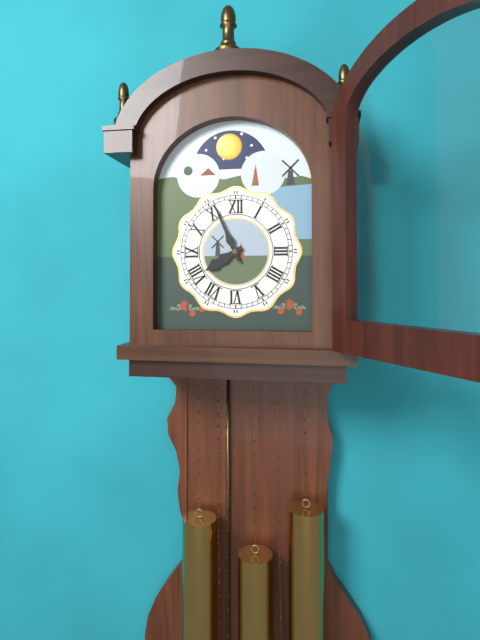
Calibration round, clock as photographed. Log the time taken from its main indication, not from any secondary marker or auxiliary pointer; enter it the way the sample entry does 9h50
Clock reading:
7h56
